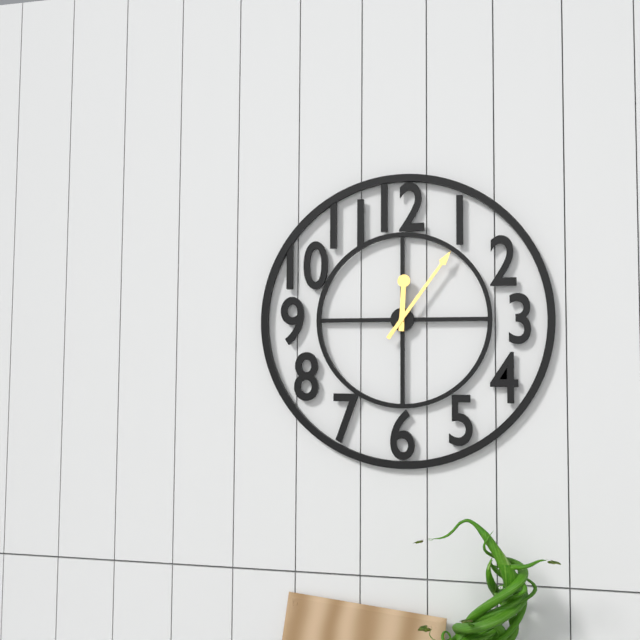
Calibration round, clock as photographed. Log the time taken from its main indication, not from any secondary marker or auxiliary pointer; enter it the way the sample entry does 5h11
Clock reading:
12h06
